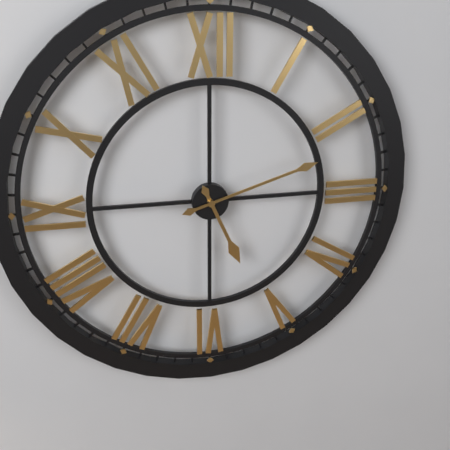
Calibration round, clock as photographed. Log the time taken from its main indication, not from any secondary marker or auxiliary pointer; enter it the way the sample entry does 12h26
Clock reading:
5h12
